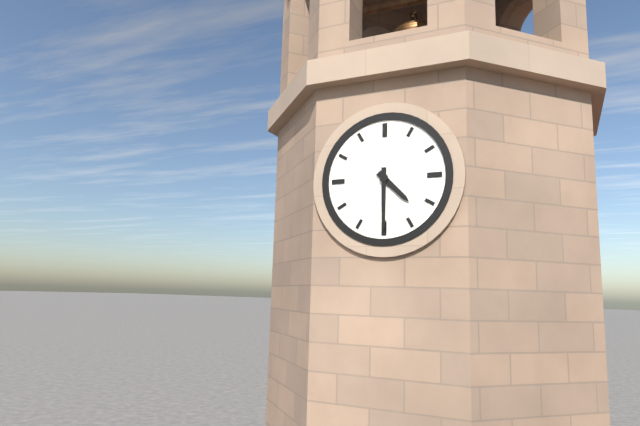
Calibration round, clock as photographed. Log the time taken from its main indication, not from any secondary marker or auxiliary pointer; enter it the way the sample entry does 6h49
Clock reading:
4h30
